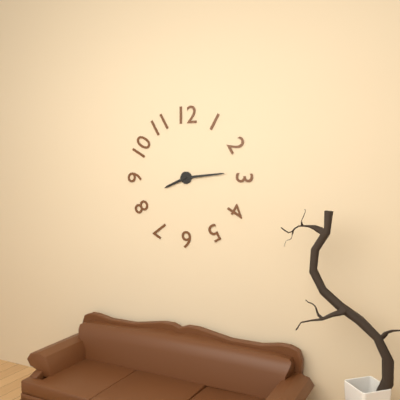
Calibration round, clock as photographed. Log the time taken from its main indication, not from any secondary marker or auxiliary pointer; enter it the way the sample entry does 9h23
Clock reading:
8h14
